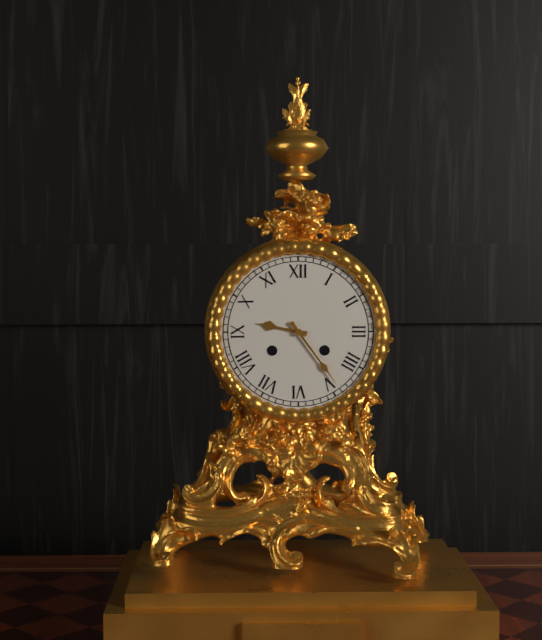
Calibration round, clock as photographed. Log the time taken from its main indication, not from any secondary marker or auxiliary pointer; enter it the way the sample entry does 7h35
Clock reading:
9h24
